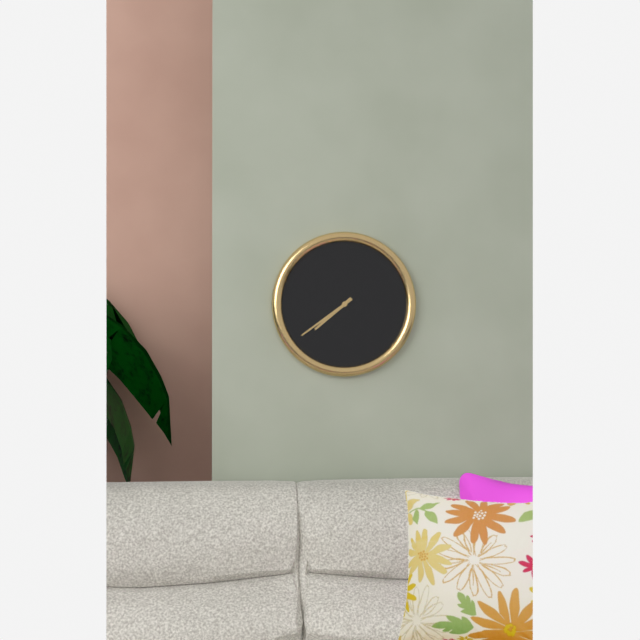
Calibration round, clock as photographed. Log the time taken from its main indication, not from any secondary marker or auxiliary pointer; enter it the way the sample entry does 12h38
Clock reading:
7h39
